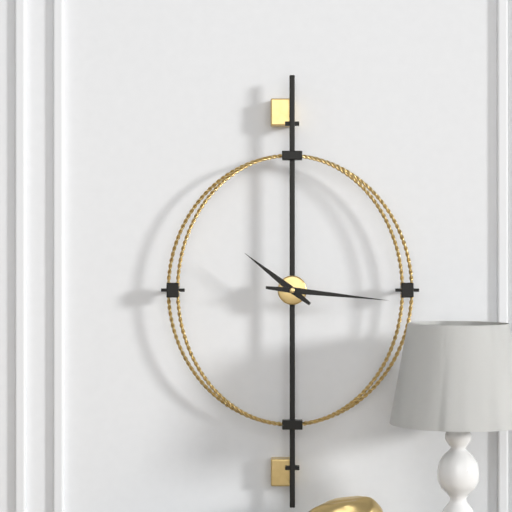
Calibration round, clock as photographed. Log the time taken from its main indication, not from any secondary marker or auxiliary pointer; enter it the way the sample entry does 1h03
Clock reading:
10h16
